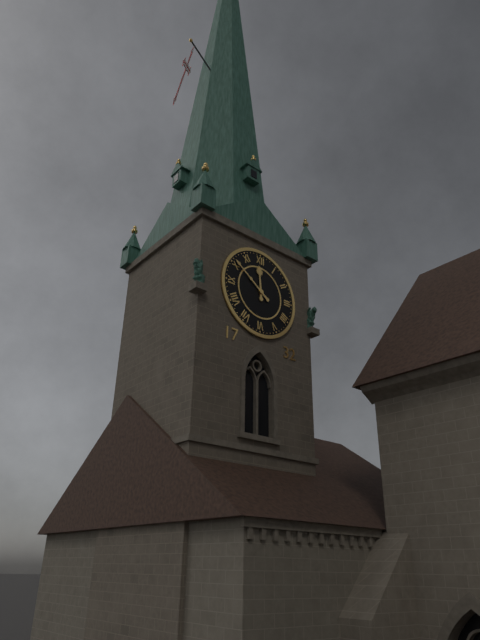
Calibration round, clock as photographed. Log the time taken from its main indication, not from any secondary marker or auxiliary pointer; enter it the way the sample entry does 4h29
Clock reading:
11h51
